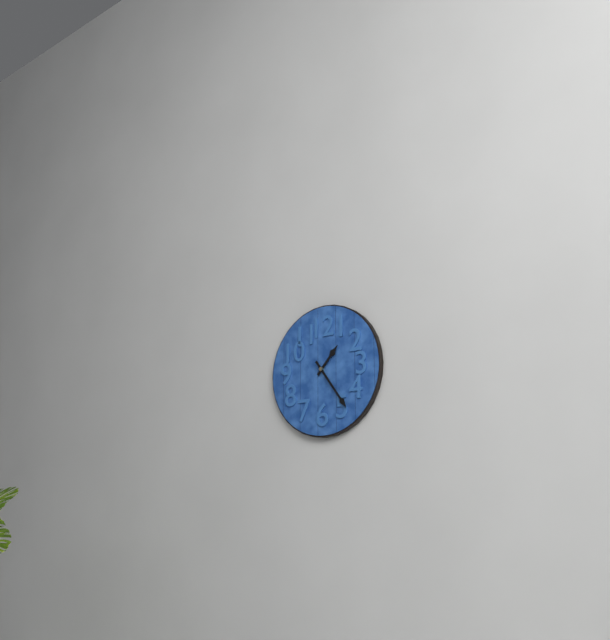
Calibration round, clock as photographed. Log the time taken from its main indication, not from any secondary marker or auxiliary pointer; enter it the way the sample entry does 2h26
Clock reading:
1h24
